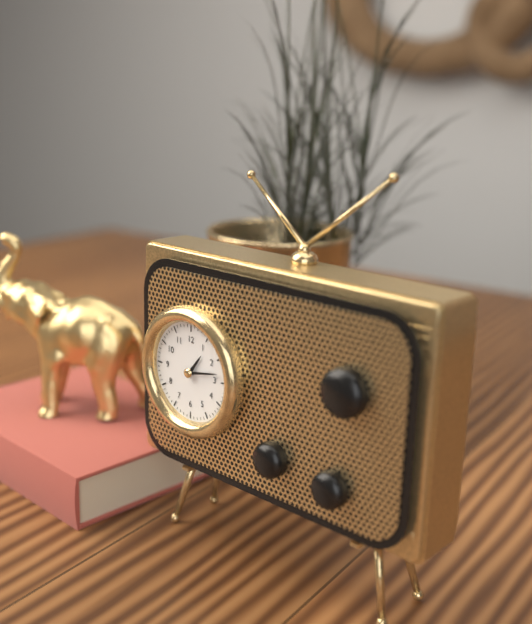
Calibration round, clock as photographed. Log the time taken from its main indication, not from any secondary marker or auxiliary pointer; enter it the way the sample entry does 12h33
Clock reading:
1h13
